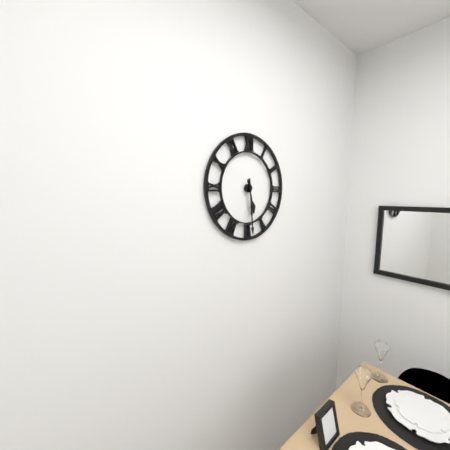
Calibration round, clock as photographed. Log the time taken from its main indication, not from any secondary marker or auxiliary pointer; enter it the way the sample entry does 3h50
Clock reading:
5h29
